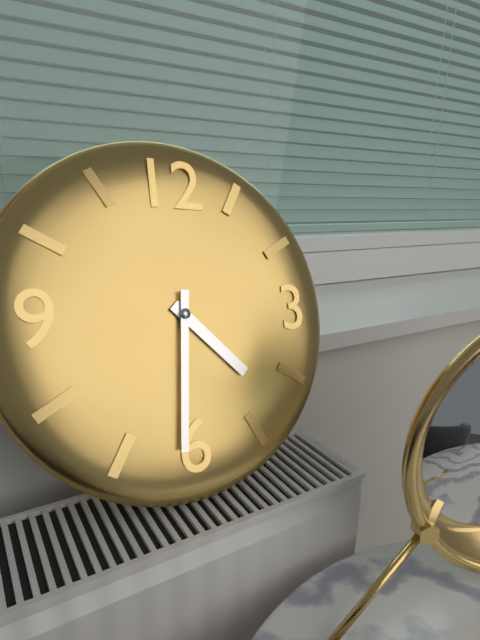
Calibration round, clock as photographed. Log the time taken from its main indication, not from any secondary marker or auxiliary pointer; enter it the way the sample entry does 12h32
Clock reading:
4h31
